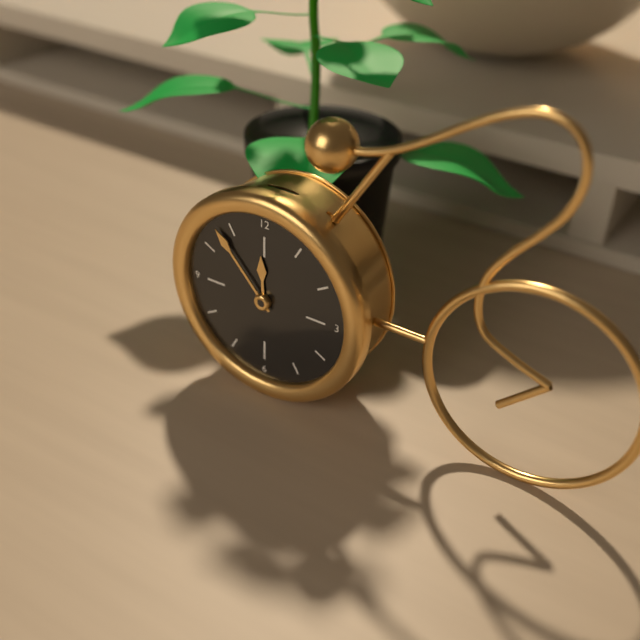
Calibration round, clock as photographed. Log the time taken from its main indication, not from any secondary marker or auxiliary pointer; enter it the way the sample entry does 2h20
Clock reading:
11h53
